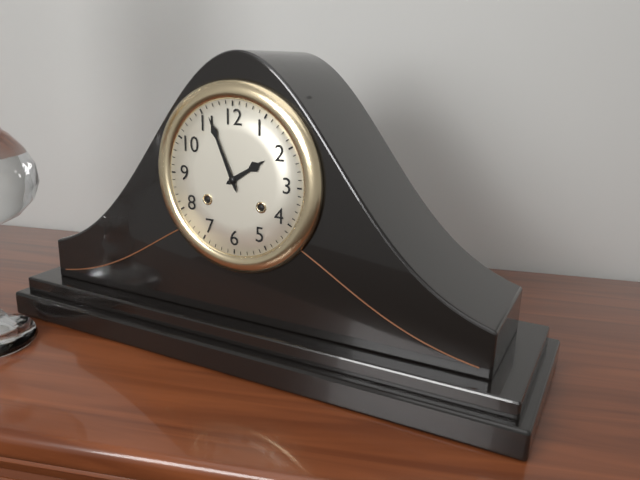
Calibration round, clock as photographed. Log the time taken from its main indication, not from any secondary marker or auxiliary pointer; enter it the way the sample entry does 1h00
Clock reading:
1h56
